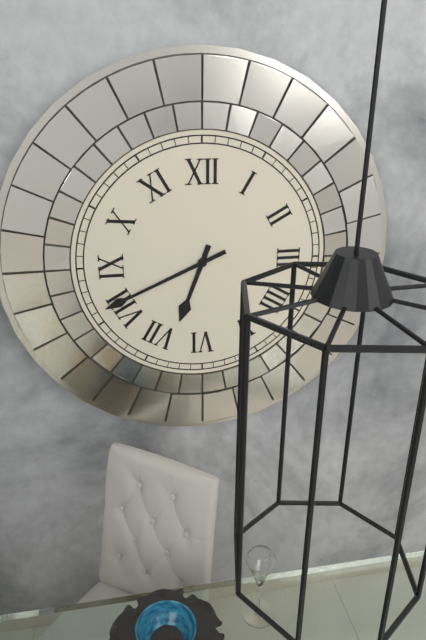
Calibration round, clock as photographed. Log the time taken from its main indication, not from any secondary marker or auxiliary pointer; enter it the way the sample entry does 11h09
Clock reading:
6h41
